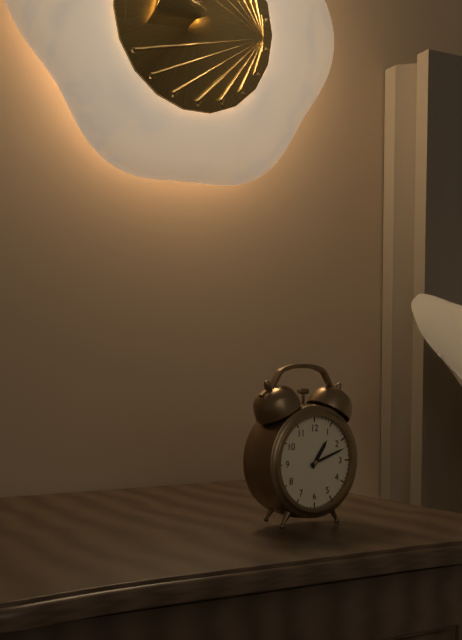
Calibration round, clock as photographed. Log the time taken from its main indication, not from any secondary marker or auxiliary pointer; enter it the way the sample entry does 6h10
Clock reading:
1h12
